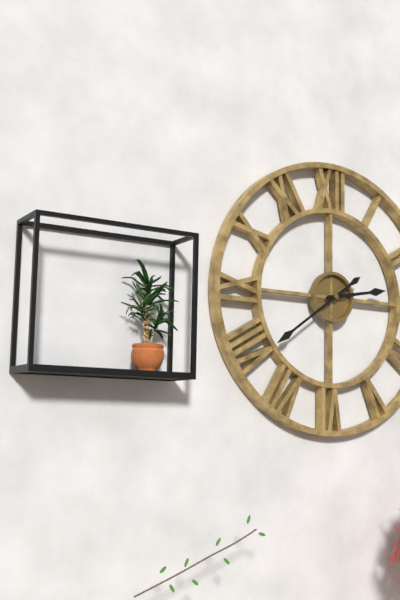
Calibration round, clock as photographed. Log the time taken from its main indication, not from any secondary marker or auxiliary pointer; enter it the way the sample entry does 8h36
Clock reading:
2h39
